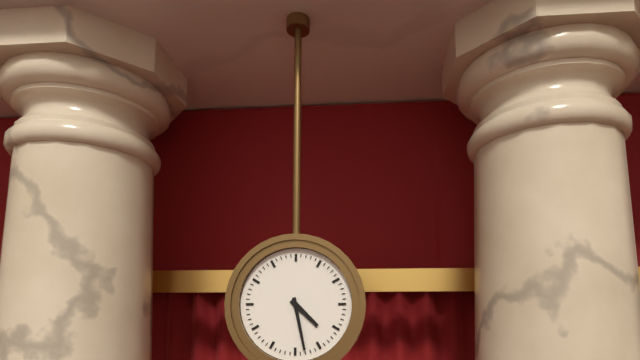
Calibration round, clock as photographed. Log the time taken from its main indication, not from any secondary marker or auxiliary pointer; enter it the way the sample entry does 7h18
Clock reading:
4h28
